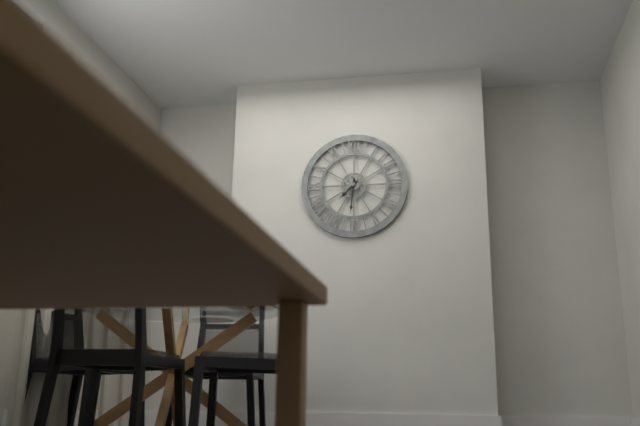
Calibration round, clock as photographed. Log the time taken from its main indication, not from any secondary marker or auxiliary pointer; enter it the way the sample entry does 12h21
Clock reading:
7h31
